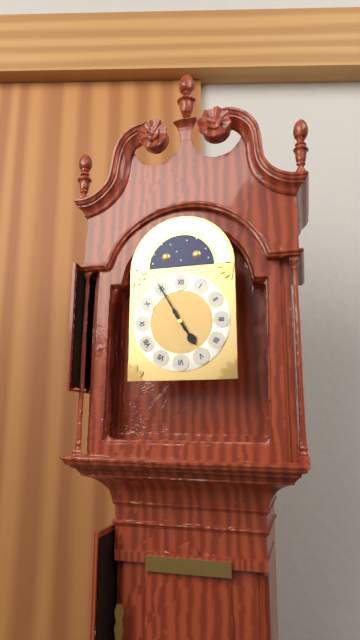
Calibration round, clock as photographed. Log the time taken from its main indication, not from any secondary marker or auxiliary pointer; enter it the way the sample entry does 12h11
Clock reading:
4h55
